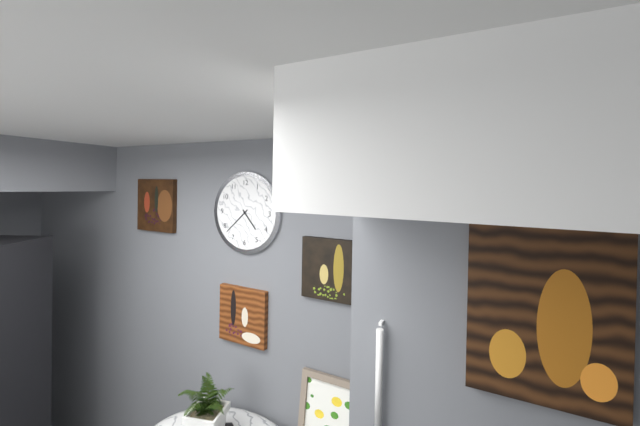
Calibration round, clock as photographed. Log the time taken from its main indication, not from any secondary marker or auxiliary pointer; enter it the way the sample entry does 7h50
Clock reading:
4h38
